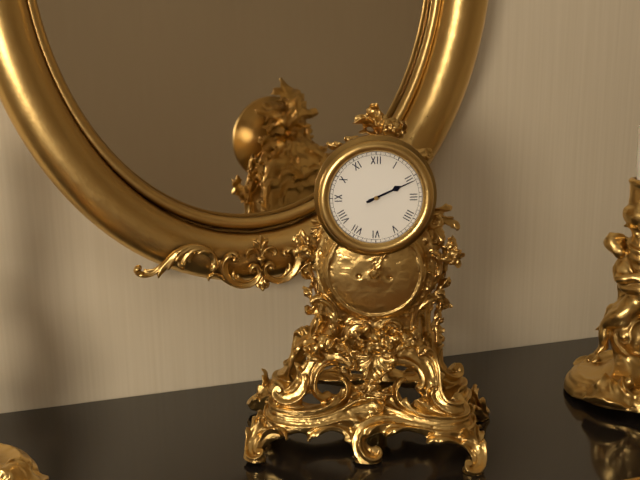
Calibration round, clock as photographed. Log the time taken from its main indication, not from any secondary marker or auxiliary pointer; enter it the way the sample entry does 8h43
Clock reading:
2h11
